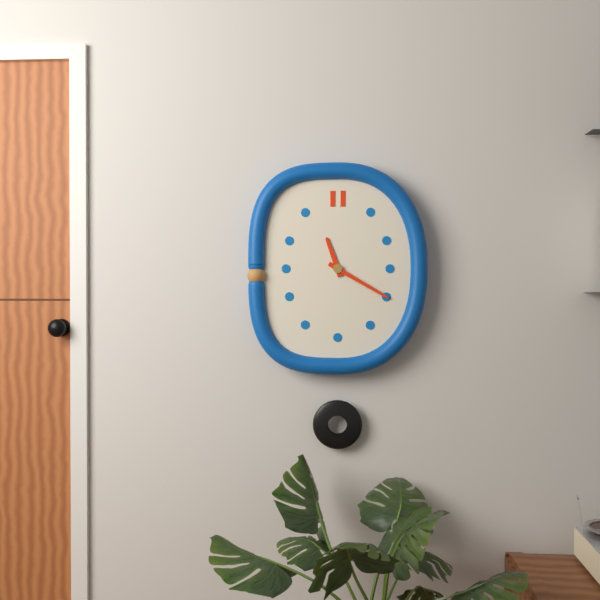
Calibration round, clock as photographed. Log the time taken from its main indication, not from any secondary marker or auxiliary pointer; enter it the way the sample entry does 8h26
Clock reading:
11h20
